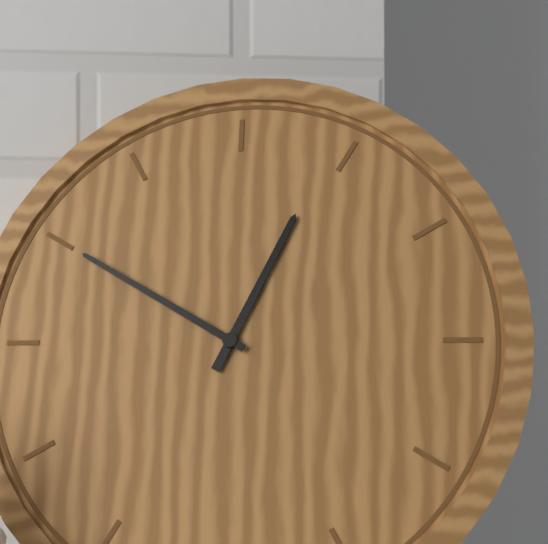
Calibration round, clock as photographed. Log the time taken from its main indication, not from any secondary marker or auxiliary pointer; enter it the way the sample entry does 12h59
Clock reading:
12h50
